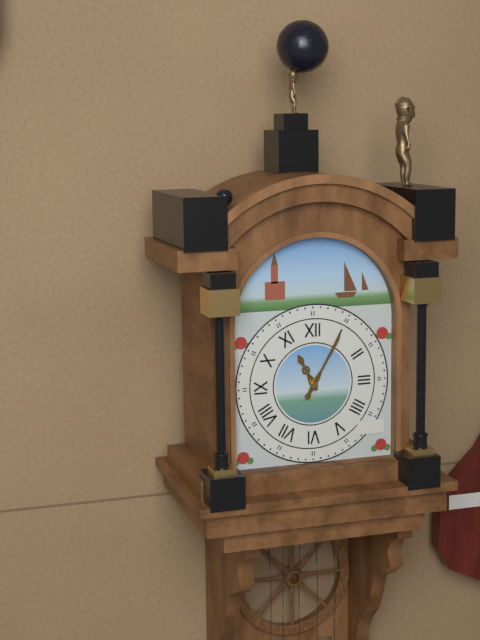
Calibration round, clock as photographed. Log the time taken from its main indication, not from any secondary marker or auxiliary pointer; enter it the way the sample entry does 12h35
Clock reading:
11h05
